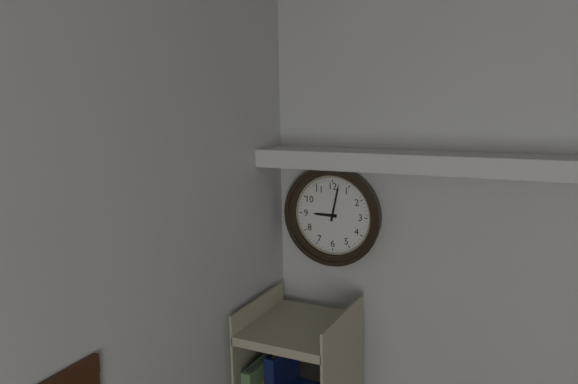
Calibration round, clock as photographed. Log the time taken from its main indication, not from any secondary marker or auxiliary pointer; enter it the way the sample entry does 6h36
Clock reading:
9h02
